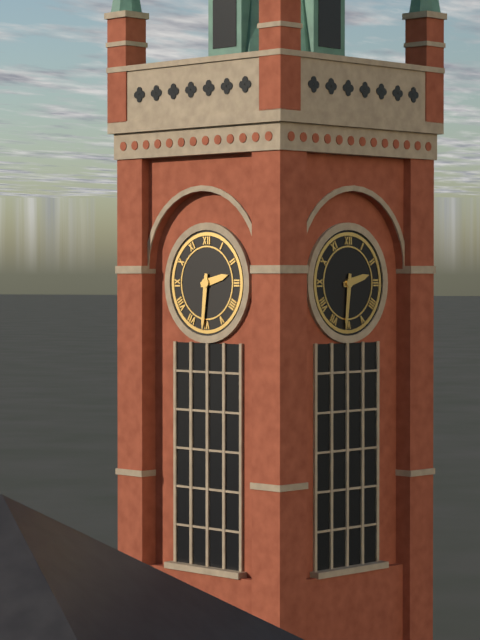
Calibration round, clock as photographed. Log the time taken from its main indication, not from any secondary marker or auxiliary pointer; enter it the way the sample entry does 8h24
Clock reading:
2h31
